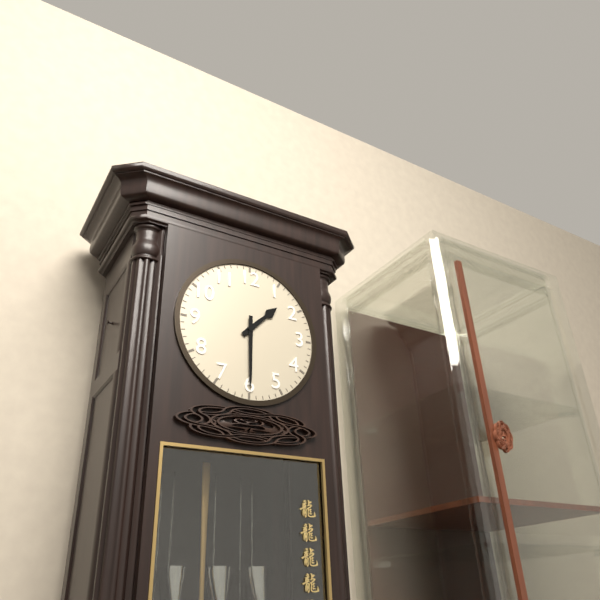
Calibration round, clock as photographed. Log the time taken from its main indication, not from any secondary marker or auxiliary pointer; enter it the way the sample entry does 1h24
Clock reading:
1h30
